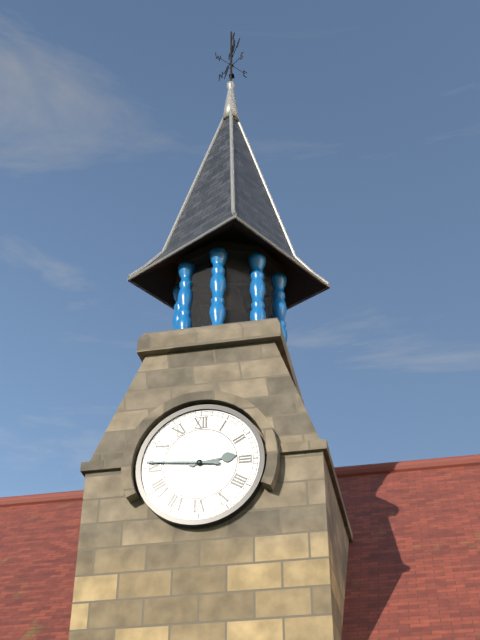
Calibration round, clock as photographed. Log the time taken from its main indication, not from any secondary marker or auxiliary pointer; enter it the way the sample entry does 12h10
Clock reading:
2h46
